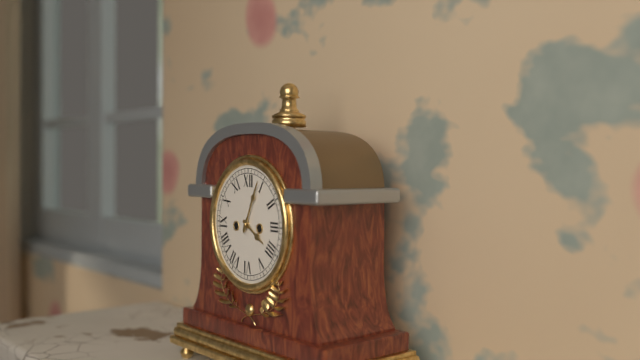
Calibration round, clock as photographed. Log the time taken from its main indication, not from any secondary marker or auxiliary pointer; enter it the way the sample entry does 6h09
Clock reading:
4h04
